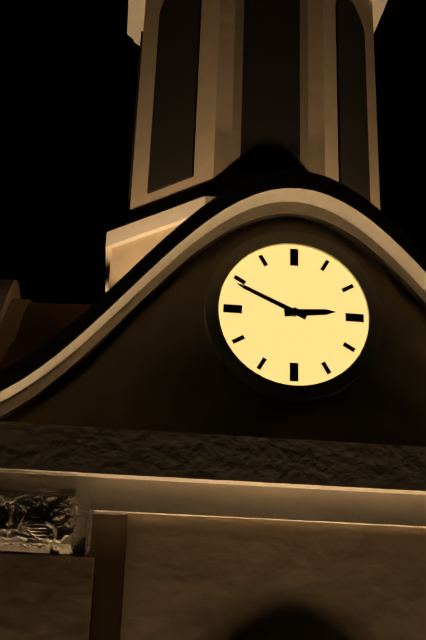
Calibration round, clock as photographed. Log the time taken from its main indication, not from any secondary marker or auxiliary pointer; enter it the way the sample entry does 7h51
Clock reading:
2h49
